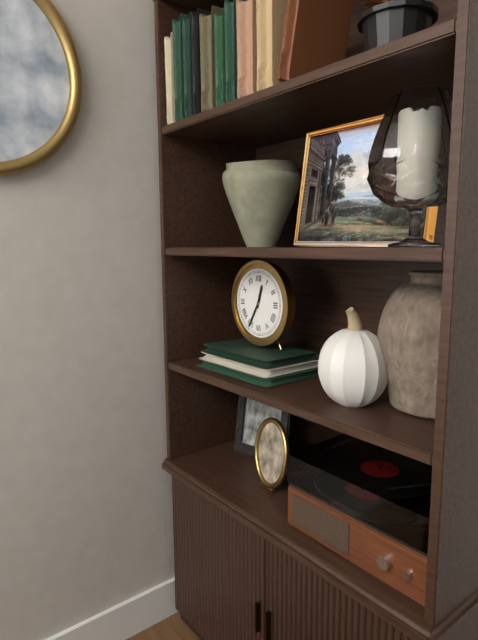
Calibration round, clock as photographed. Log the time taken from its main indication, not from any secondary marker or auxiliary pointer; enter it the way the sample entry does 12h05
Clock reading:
12h35
